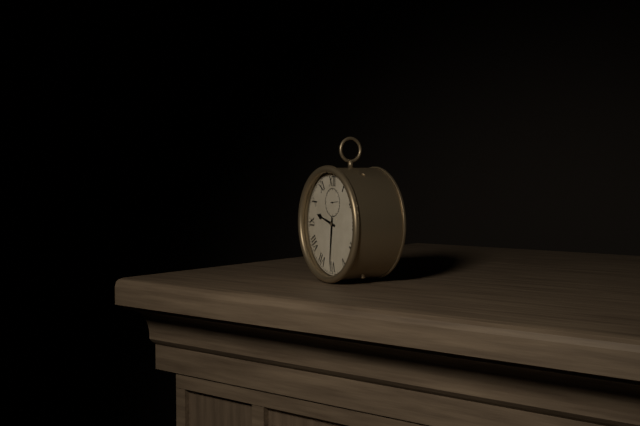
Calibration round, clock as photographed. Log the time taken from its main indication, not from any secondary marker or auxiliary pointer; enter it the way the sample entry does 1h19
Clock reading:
9h31
